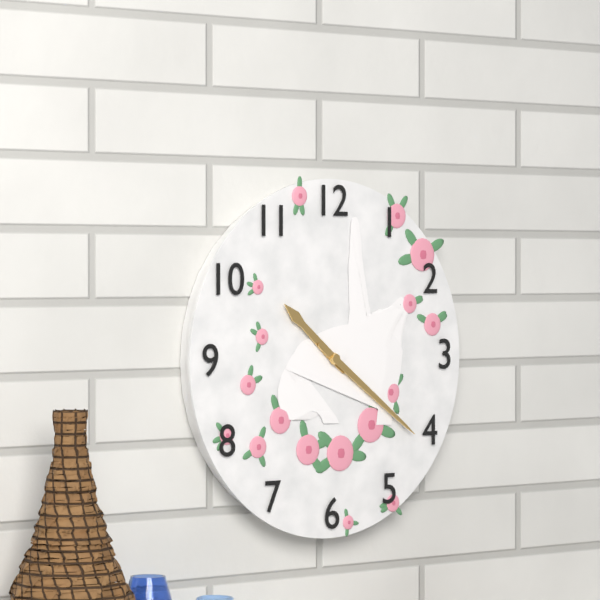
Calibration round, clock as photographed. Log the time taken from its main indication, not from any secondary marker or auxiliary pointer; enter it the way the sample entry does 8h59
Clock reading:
10h21
